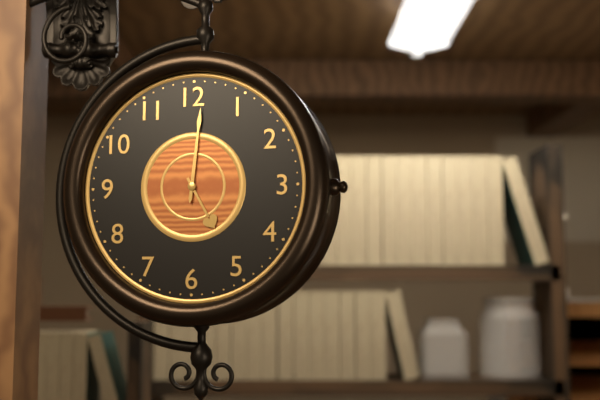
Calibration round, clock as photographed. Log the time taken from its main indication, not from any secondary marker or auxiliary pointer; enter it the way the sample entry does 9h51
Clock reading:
5h01
